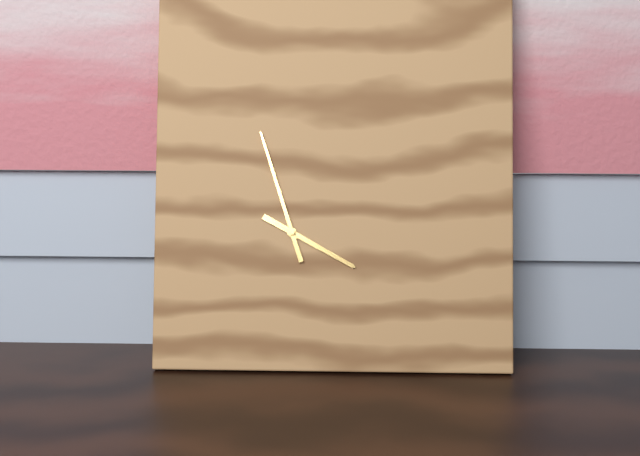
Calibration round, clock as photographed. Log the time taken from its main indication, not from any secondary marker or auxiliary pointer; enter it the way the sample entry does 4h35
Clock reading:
3h57
